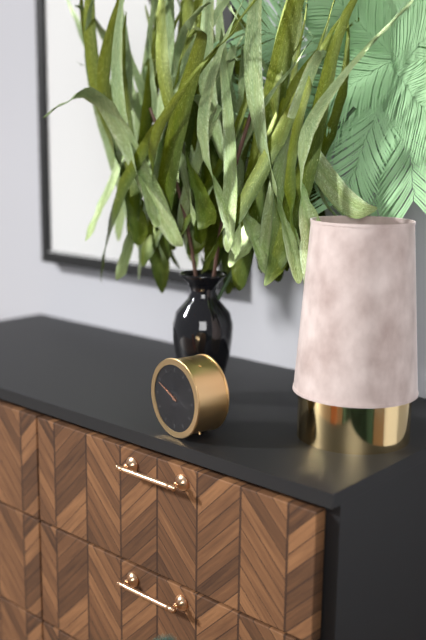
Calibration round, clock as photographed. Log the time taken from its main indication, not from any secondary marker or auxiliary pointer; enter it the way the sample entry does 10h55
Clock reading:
9h49
